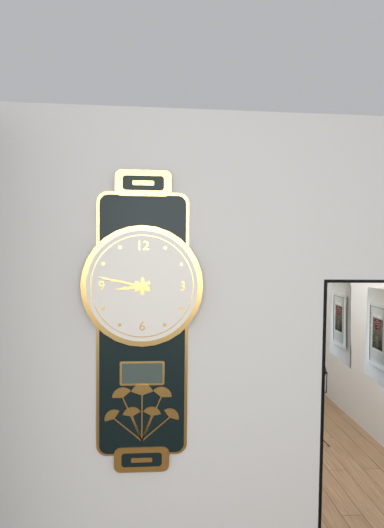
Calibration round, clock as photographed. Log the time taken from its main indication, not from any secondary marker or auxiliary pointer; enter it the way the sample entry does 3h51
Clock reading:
8h47
